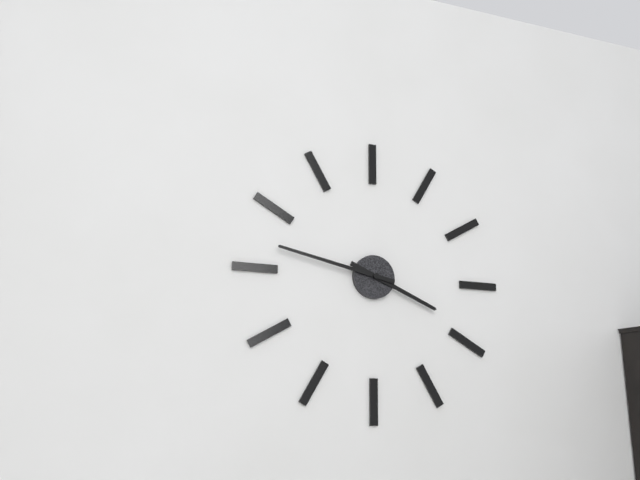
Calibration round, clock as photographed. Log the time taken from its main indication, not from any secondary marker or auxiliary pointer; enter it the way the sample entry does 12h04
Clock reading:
3h47
